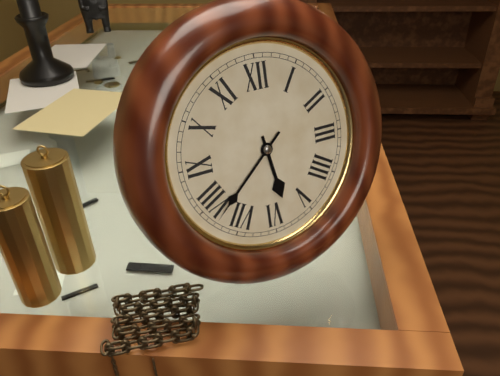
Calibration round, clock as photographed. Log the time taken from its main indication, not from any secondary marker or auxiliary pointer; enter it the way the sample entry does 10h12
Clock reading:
5h38
